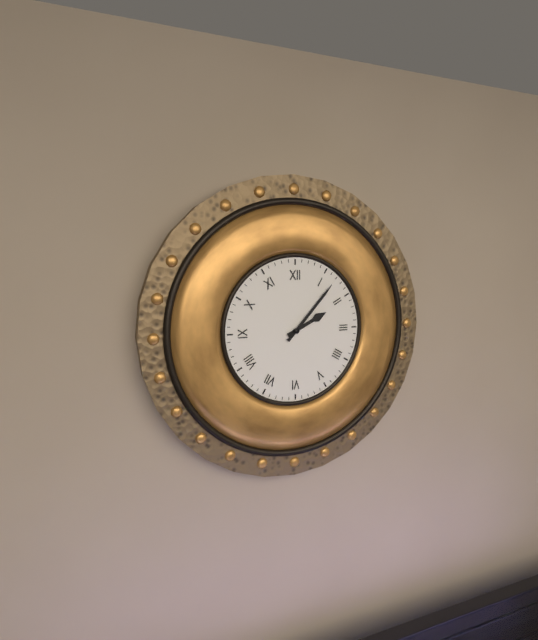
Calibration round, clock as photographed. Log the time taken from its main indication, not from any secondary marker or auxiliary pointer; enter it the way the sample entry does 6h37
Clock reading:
2h07
